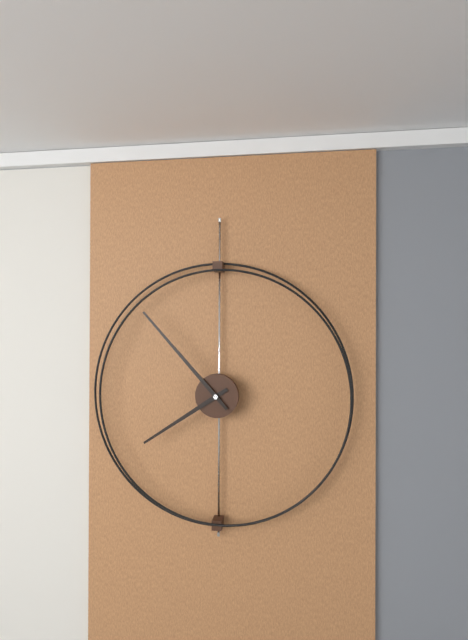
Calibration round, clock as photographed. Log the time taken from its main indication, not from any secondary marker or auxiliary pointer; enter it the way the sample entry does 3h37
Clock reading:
7h53
